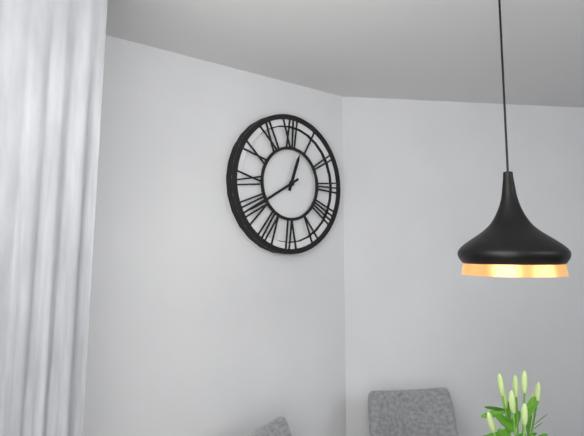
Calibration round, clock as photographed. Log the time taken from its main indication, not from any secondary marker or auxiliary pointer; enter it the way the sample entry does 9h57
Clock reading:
12h40
